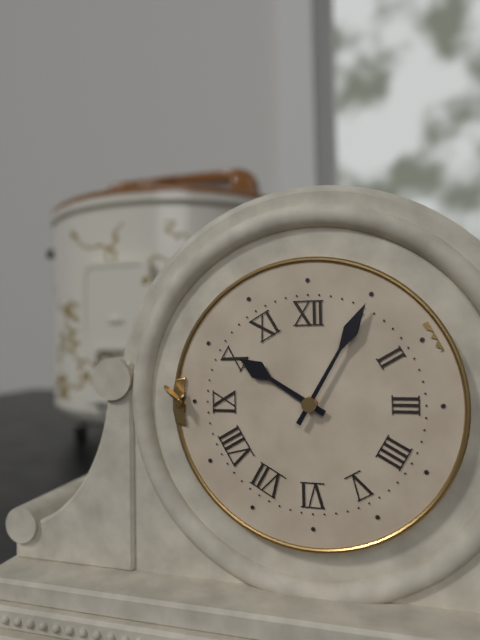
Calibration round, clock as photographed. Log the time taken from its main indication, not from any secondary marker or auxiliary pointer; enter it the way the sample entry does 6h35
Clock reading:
10h05
